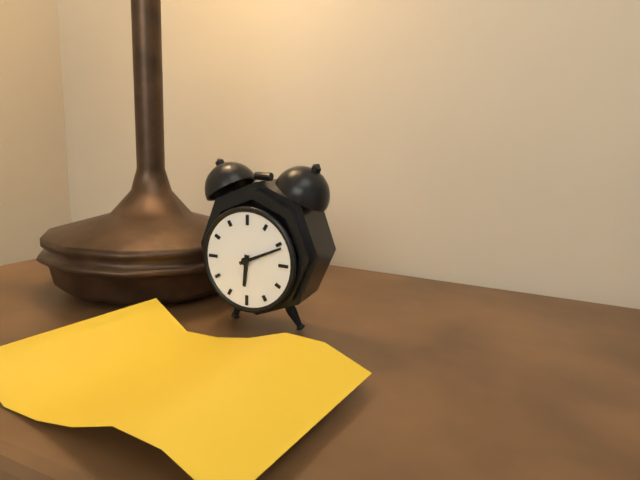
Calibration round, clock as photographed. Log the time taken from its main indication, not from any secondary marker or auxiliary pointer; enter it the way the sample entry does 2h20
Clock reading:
6h11
